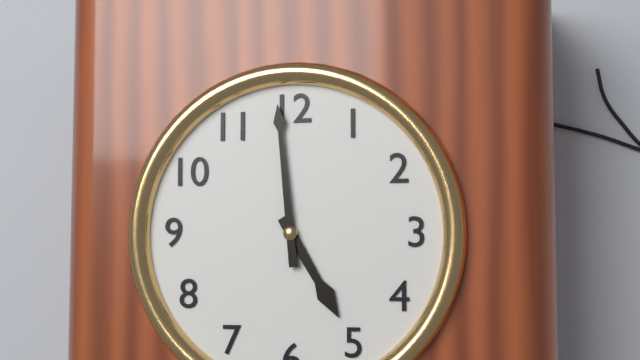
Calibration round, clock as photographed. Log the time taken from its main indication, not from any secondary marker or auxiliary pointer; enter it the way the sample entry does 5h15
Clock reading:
4h59
